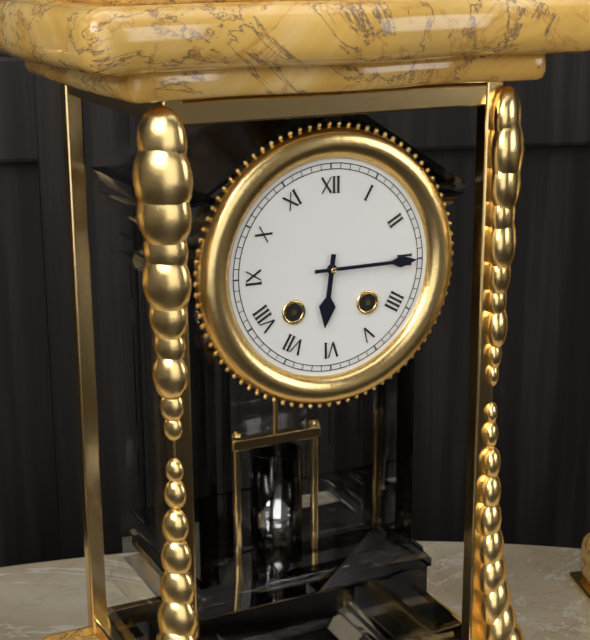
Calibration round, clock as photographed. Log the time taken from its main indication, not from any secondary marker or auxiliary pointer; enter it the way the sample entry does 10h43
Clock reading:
6h15
